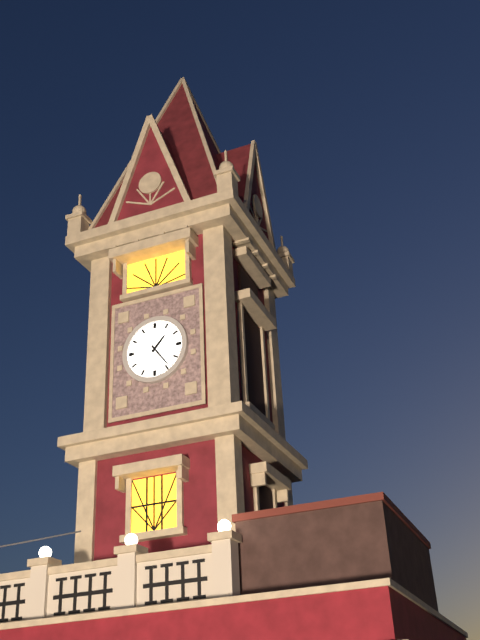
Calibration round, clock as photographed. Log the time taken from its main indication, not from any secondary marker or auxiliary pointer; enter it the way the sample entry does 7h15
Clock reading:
1h24
